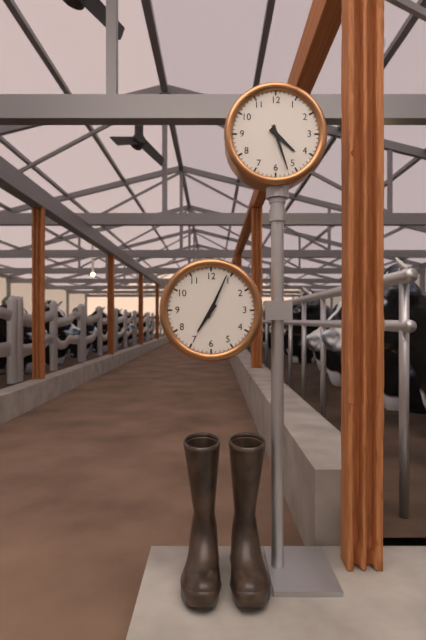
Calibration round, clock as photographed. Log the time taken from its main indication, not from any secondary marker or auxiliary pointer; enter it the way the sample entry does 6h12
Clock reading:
4h27
